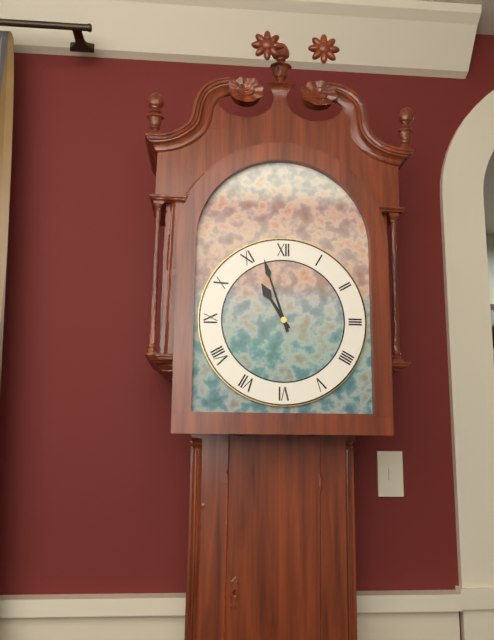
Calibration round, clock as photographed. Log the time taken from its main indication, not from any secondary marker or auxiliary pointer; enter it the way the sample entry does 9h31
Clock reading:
10h57
